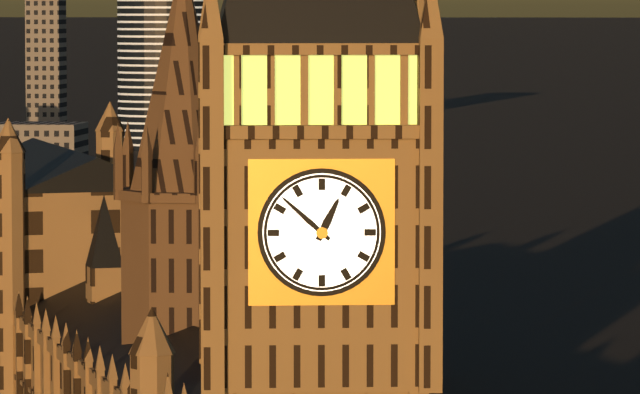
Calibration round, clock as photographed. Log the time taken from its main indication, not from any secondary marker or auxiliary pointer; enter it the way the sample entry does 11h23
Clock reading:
12h52
